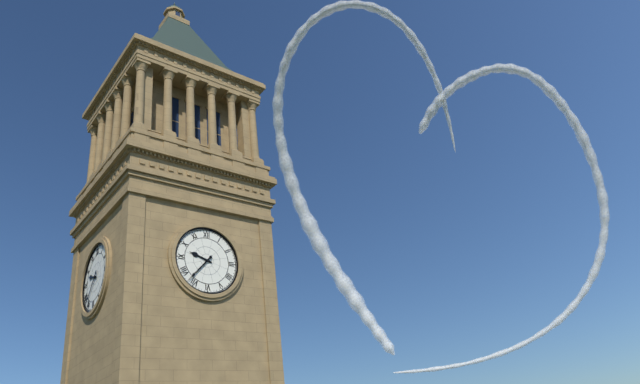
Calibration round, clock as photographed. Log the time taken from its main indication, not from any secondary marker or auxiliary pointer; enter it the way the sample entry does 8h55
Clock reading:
9h37
